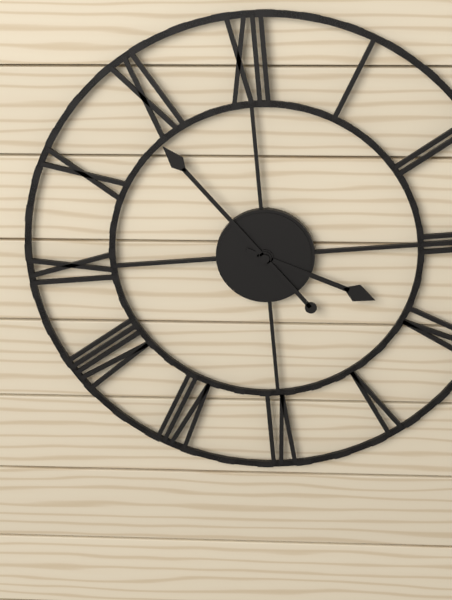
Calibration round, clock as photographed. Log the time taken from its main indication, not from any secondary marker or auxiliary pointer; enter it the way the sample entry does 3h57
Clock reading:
3h54
